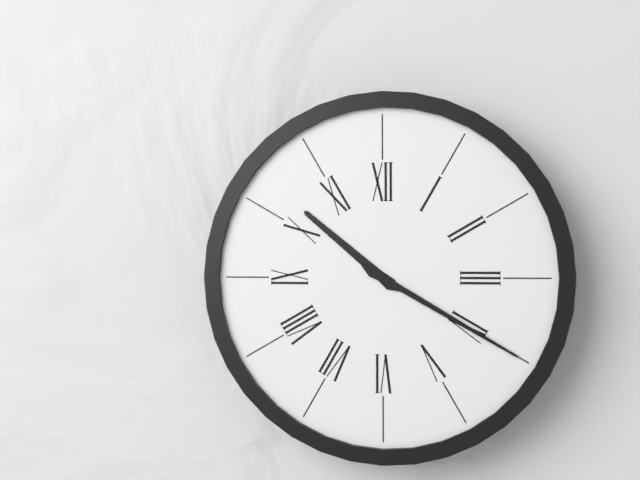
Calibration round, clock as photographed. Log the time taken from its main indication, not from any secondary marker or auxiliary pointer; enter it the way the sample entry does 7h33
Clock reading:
10h20
